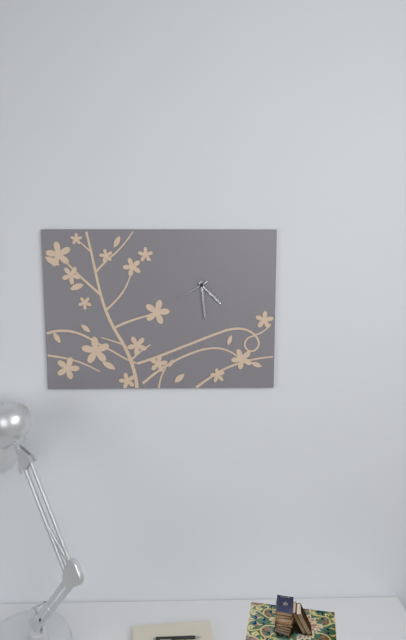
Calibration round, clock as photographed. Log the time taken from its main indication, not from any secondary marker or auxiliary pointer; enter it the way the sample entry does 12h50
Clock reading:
4h29
